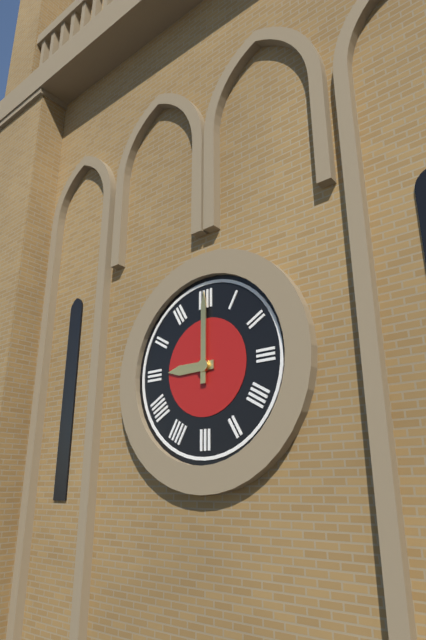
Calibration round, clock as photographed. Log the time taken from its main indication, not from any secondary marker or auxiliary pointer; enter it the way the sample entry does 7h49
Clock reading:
9h00
